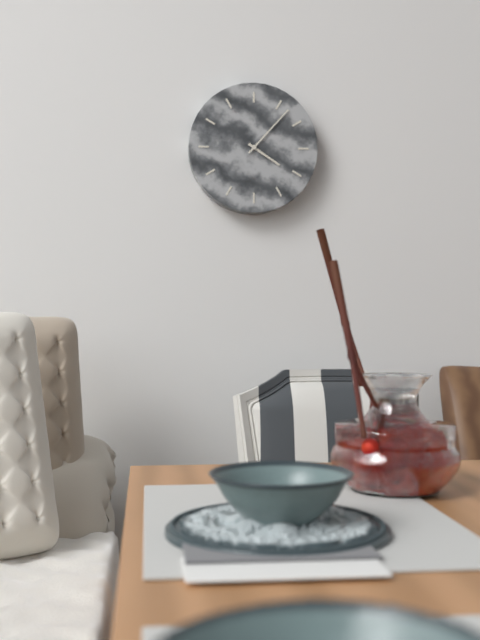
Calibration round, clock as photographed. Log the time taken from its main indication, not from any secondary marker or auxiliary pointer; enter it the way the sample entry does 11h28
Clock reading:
4h07
